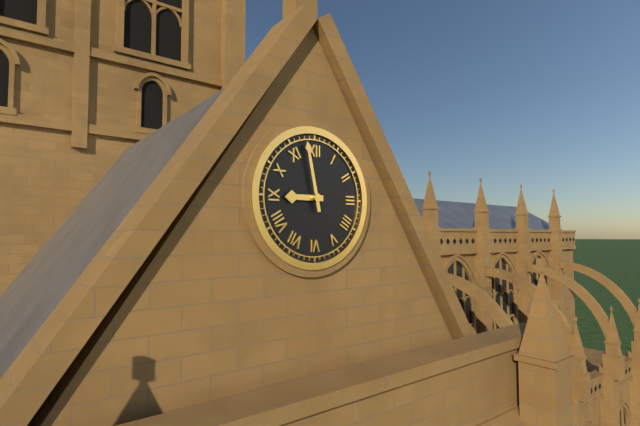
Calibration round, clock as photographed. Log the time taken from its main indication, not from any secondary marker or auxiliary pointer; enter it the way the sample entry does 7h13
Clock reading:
8h58
